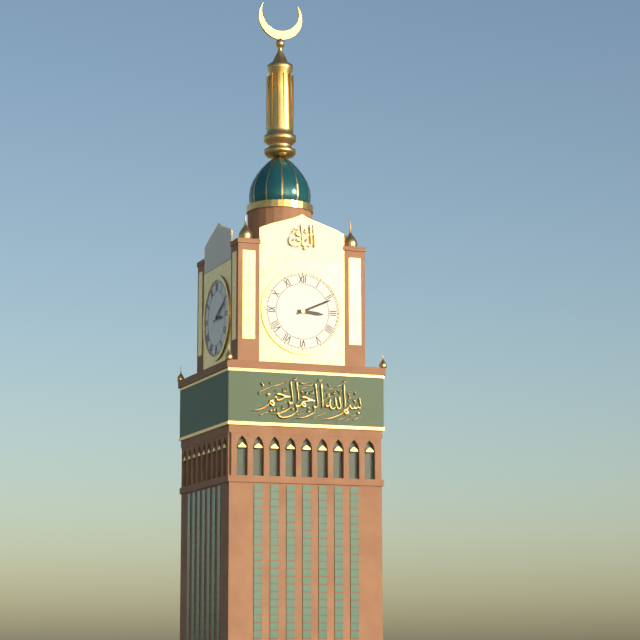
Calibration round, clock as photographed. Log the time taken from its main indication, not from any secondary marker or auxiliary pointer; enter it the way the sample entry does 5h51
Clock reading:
3h11
